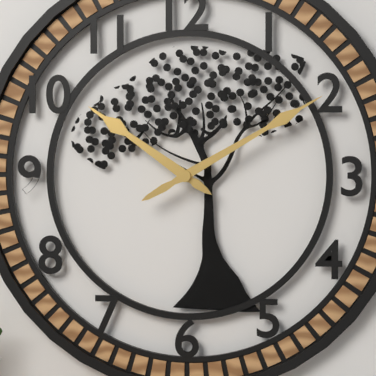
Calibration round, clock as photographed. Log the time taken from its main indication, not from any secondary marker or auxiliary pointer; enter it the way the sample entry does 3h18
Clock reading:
10h10
